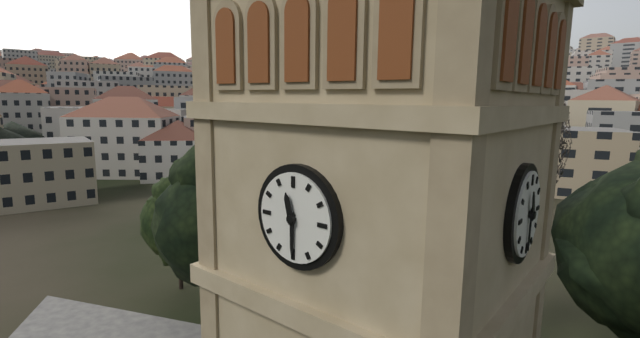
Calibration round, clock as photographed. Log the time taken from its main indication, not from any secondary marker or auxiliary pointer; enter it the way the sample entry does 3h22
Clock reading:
11h30
